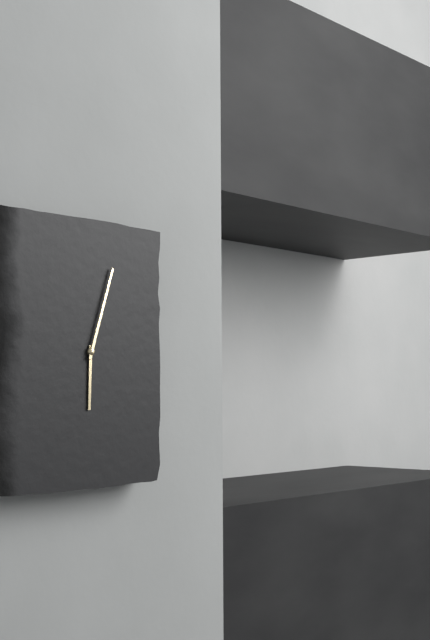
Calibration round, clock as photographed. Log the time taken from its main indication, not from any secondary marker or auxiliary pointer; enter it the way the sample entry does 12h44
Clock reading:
6h03
